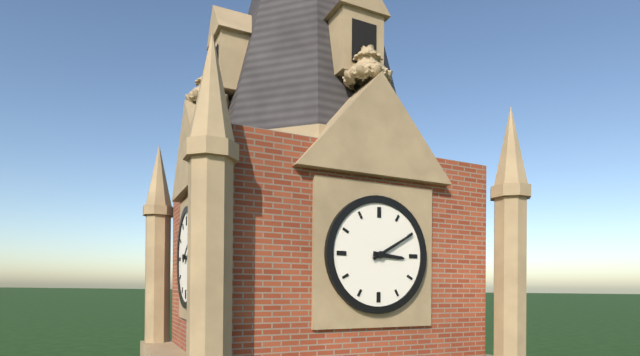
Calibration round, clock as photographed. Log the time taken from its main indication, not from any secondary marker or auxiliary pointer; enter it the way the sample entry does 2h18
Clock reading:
3h10
